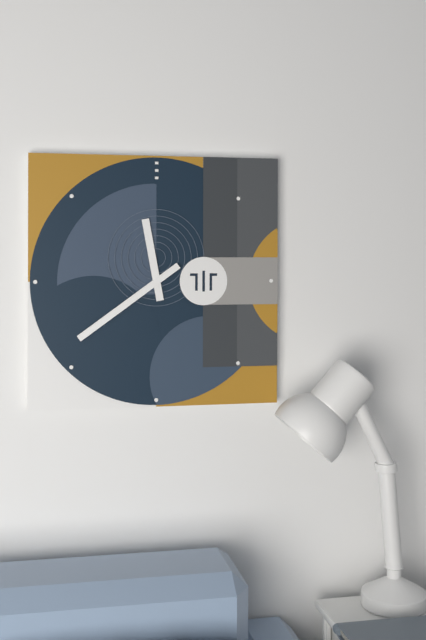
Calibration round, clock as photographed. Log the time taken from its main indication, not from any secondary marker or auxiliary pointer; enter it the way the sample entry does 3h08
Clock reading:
11h39
